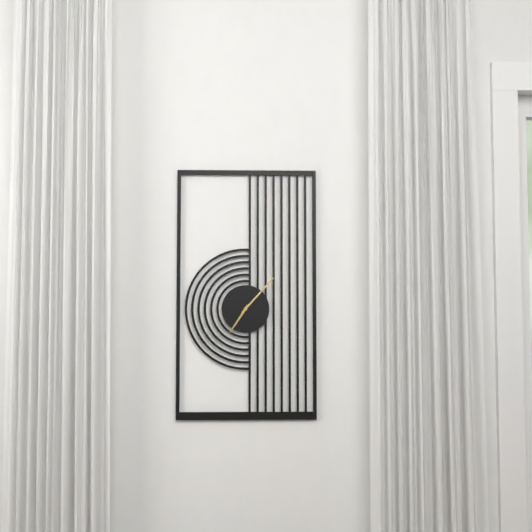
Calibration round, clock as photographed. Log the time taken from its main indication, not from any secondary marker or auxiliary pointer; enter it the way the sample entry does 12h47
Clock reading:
7h07
